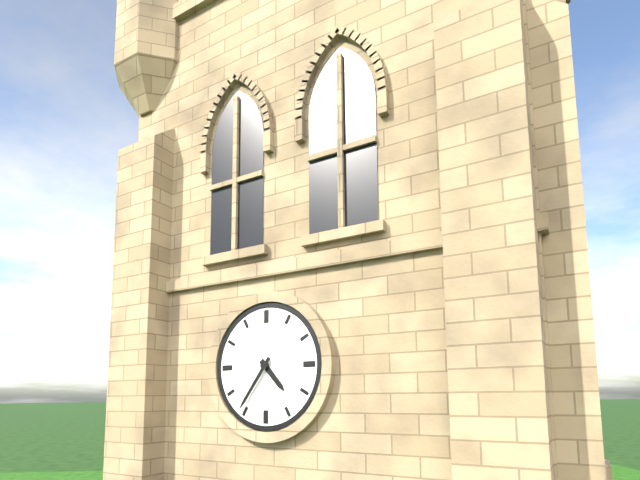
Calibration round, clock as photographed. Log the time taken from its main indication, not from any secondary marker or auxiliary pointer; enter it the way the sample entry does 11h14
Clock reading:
4h36
